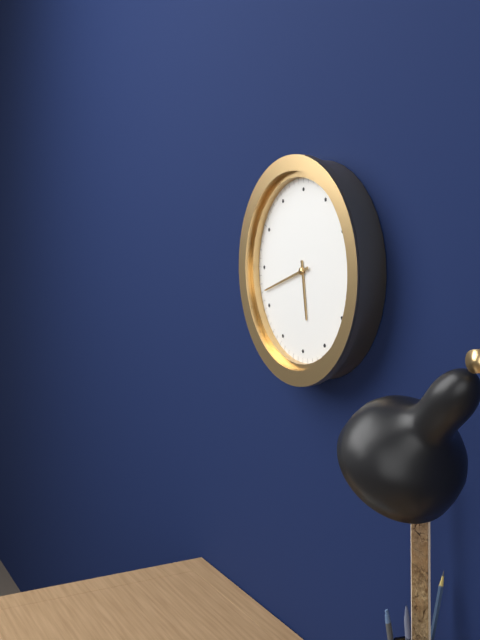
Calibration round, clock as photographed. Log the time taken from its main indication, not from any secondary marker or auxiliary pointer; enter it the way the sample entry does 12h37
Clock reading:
5h42
